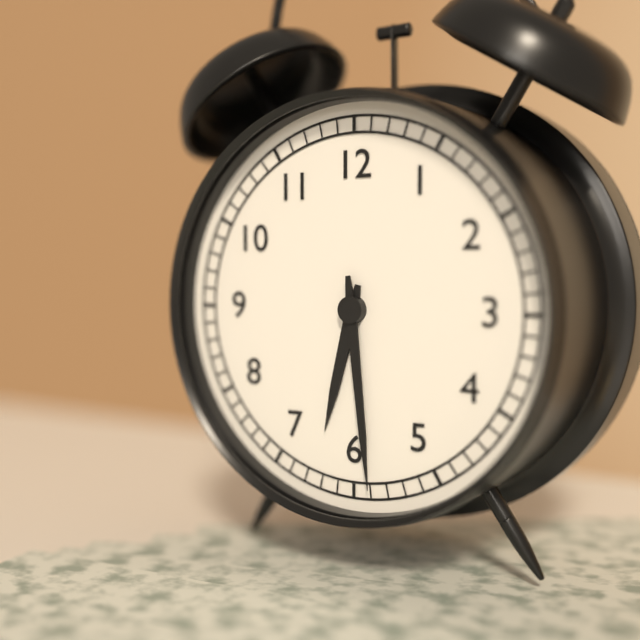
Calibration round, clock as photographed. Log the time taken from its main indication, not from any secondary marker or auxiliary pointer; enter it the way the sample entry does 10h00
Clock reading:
6h29
